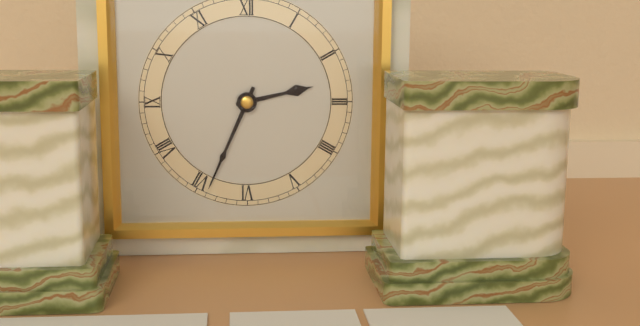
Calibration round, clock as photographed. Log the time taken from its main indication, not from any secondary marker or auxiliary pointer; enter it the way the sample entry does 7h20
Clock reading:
2h34
